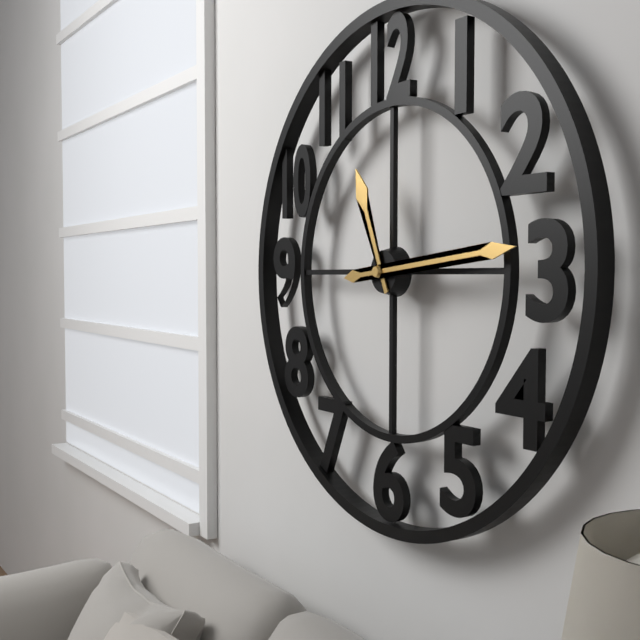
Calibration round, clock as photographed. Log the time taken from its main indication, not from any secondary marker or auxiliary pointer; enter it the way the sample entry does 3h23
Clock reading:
11h14
